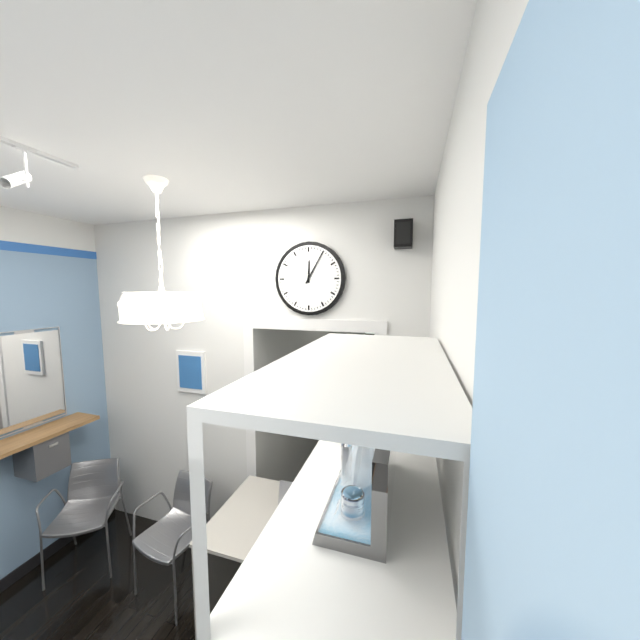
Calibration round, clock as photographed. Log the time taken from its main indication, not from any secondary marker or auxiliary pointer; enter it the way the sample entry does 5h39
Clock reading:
12h05
